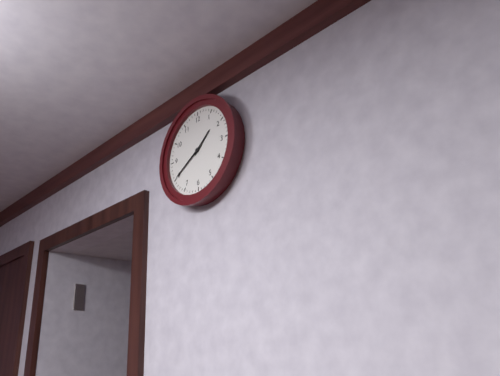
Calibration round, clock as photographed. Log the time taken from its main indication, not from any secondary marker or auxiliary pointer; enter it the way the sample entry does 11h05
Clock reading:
1h40
